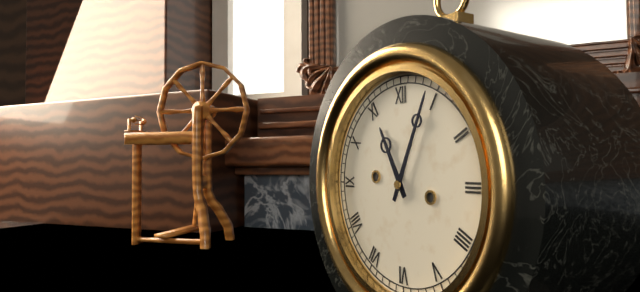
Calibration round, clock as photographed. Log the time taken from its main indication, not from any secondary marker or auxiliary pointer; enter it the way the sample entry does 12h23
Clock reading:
11h04
